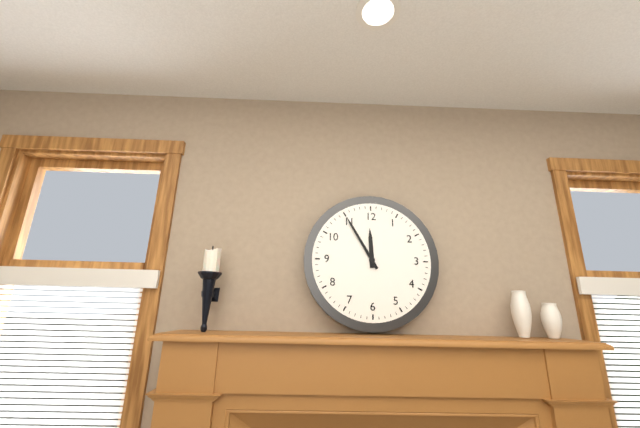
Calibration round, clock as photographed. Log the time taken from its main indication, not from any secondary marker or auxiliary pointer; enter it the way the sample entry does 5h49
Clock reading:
11h55
